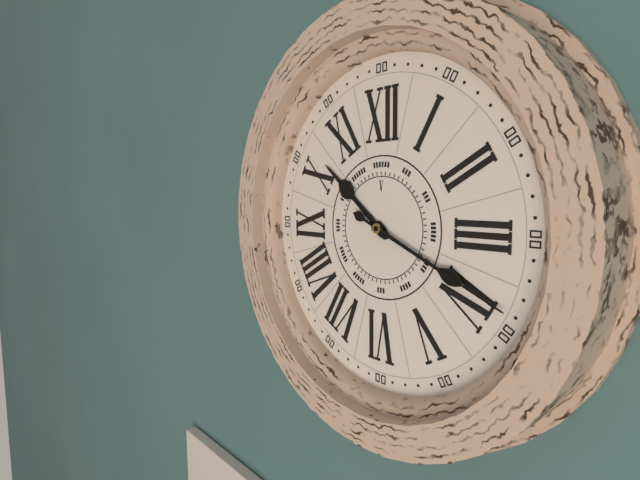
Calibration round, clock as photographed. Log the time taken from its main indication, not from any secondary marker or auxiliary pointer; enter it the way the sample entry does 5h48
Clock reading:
10h19
